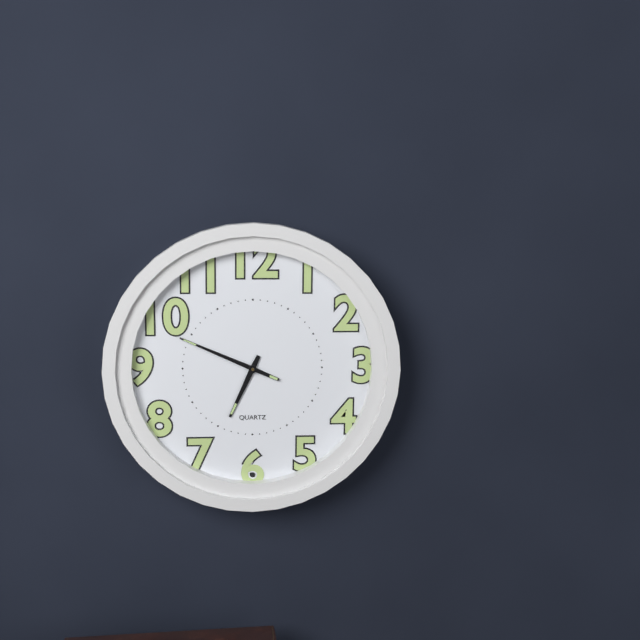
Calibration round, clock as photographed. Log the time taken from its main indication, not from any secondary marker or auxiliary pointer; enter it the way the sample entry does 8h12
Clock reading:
6h49
